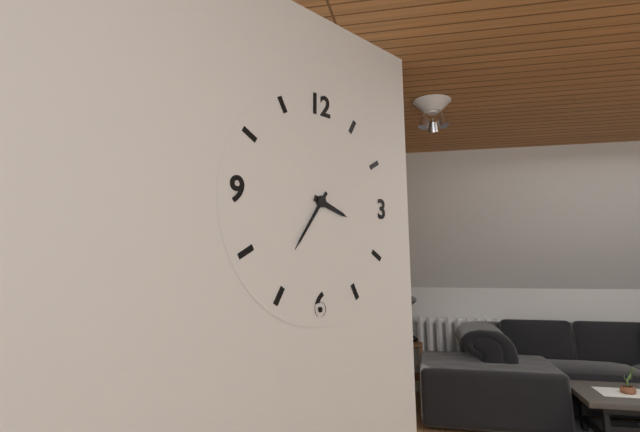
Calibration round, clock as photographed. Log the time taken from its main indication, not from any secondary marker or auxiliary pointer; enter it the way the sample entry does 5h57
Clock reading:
3h36
